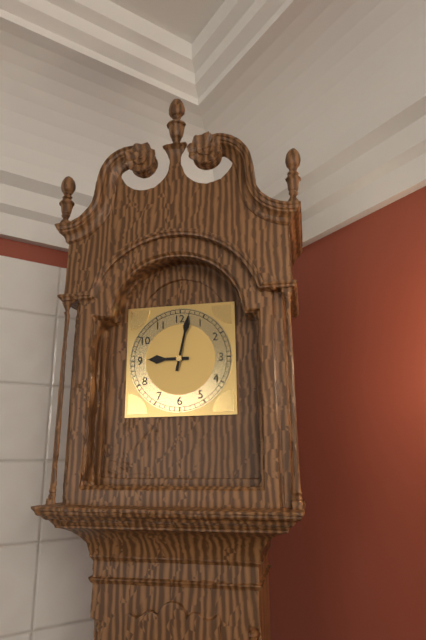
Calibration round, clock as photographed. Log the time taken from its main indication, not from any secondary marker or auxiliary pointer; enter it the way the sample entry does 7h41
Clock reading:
9h02
